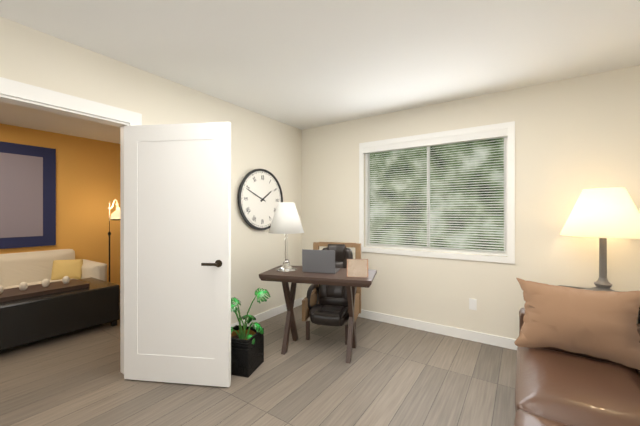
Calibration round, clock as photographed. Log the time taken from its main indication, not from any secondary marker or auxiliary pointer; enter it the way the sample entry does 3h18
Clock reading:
1h49
